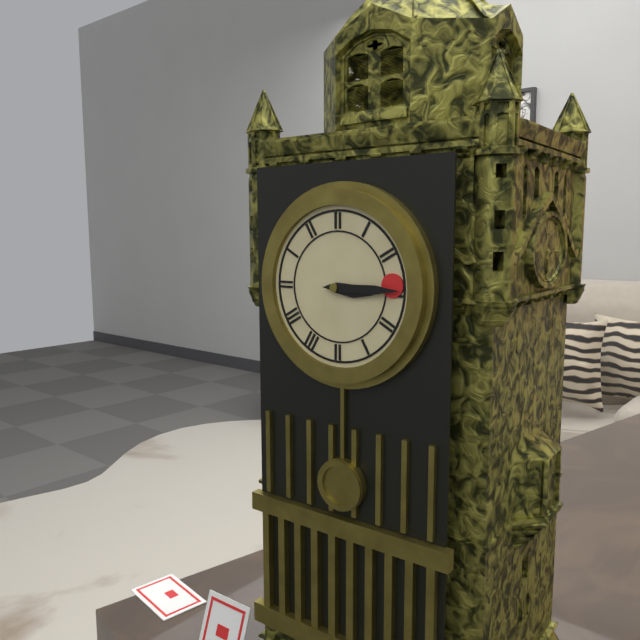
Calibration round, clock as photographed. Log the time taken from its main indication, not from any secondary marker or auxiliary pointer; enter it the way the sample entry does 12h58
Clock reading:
3h15
